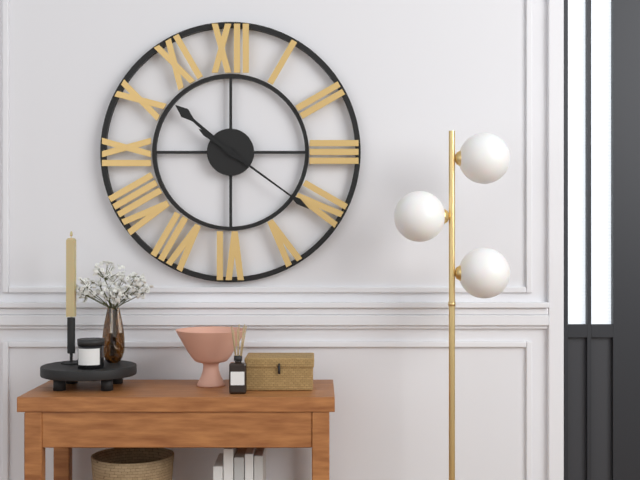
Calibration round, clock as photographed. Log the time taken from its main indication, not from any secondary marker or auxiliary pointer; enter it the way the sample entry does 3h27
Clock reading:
10h21
